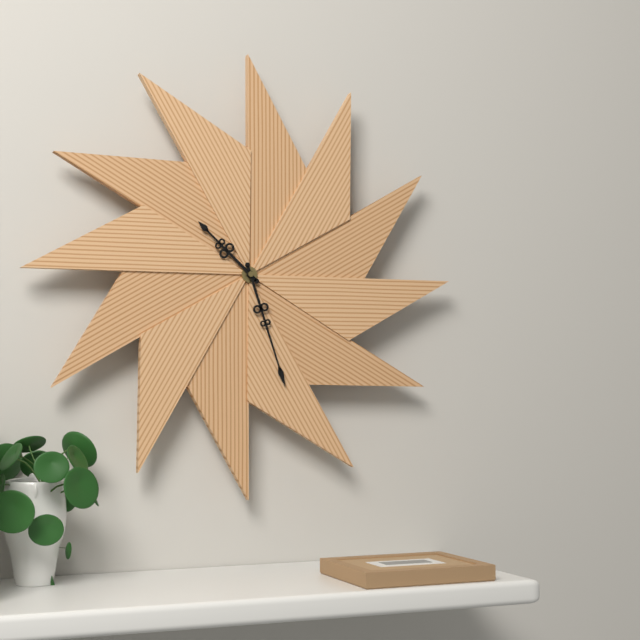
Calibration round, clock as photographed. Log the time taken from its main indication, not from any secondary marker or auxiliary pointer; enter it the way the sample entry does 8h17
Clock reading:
10h27
